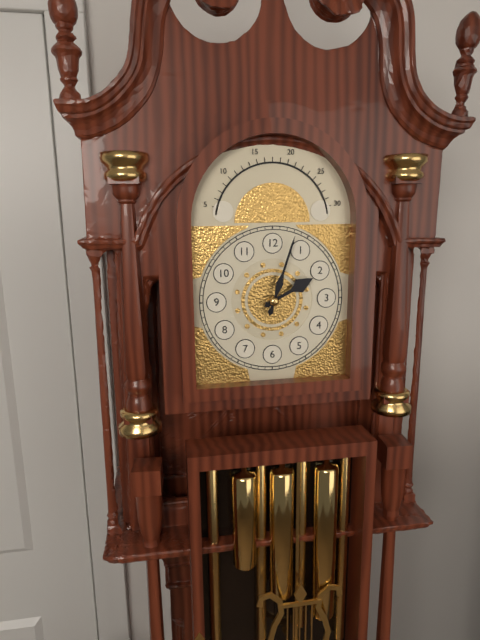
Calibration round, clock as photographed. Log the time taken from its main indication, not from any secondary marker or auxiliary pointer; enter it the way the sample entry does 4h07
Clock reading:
2h03
